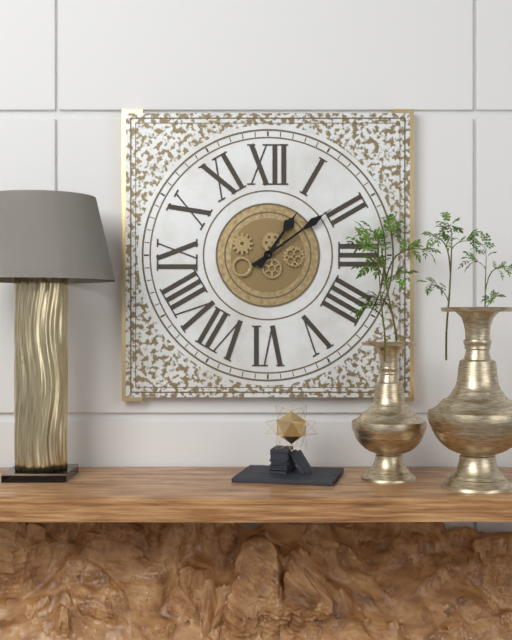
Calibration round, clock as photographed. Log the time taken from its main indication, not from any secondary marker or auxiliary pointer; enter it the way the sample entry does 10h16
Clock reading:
1h09
